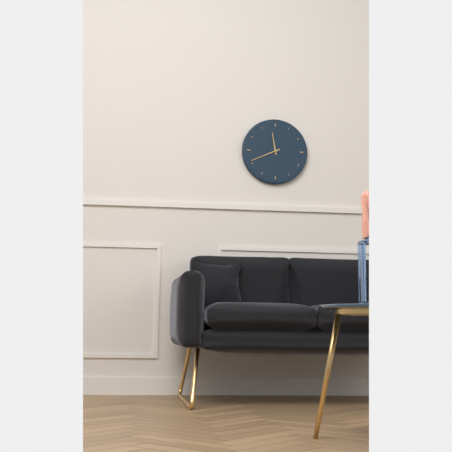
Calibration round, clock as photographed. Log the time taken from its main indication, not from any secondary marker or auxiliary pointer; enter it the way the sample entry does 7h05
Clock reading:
11h41
